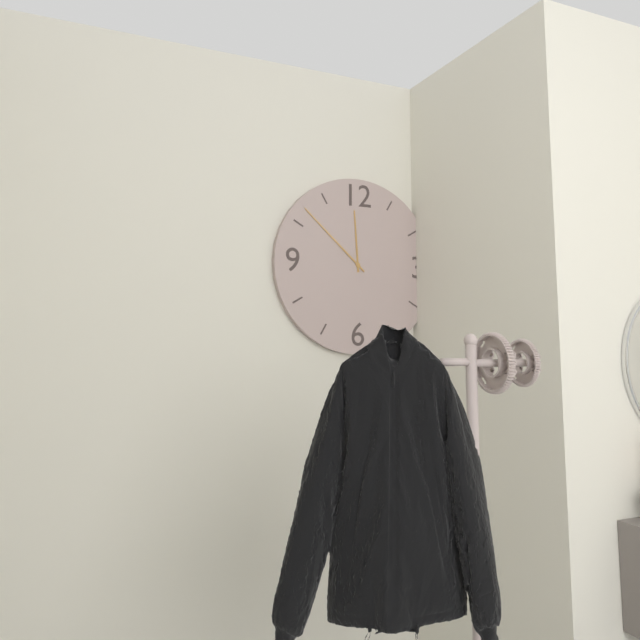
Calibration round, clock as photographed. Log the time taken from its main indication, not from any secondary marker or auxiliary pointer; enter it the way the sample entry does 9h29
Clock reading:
11h52
